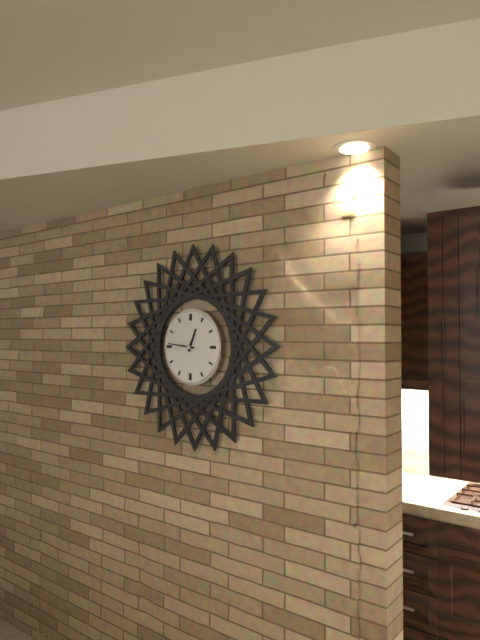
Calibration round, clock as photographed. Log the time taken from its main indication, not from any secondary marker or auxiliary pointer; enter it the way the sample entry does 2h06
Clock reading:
12h46
